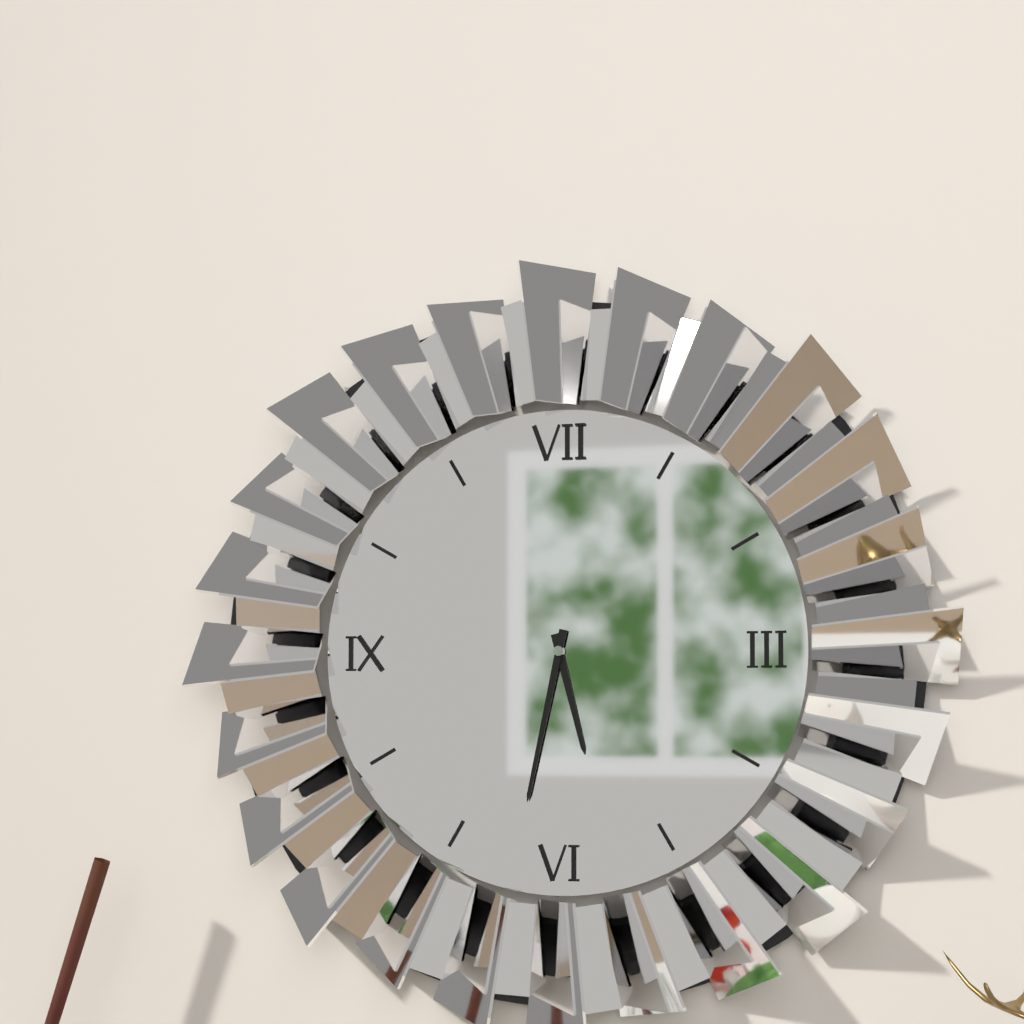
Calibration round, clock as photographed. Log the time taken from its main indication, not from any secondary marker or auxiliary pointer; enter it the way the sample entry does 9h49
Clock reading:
5h32
